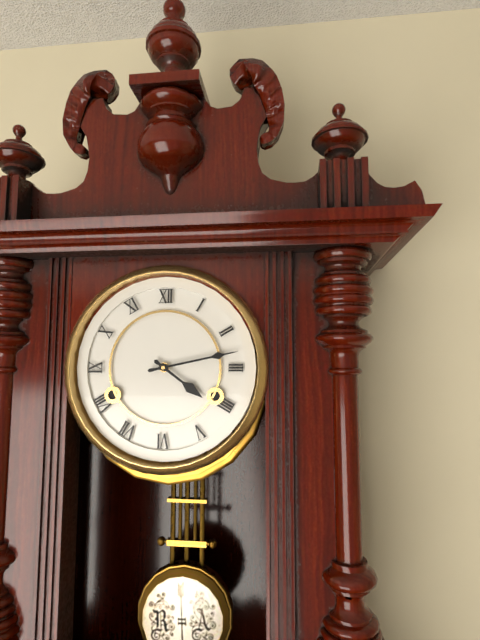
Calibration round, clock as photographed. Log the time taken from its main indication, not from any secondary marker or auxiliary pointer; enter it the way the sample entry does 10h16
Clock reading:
4h13
